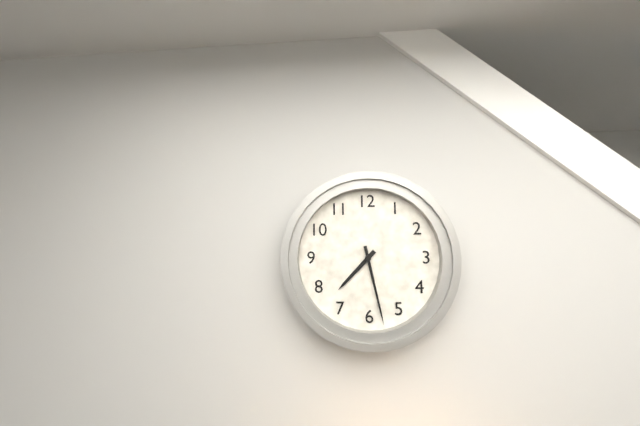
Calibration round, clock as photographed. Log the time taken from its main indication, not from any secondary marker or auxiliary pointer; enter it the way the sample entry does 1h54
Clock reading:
7h28
